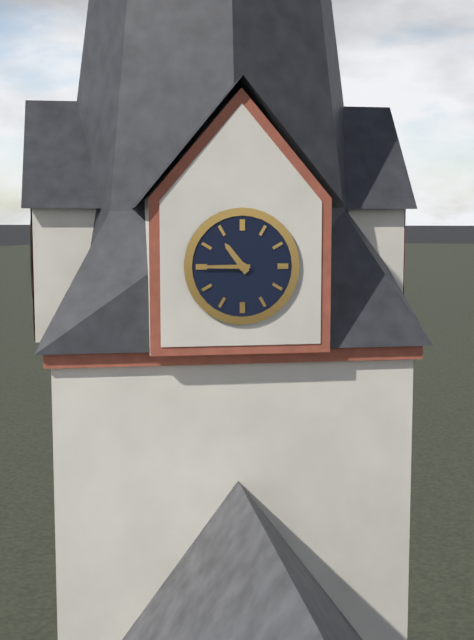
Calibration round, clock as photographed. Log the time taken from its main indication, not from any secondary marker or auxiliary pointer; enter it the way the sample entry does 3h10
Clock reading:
10h45
